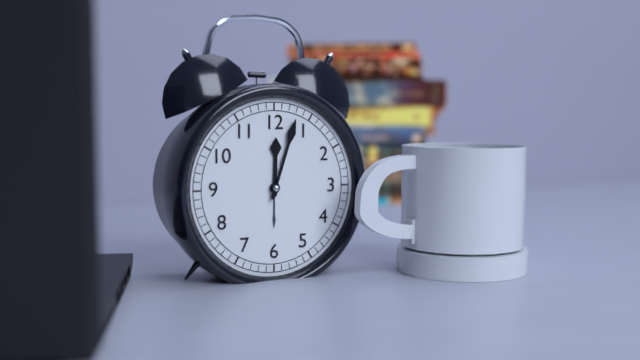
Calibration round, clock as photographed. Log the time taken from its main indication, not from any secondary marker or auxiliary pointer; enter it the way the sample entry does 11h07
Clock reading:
12h03
